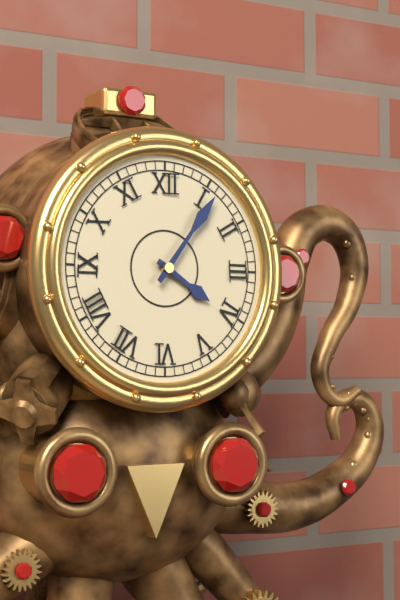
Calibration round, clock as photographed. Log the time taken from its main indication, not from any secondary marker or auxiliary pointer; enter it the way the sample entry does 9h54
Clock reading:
4h06
